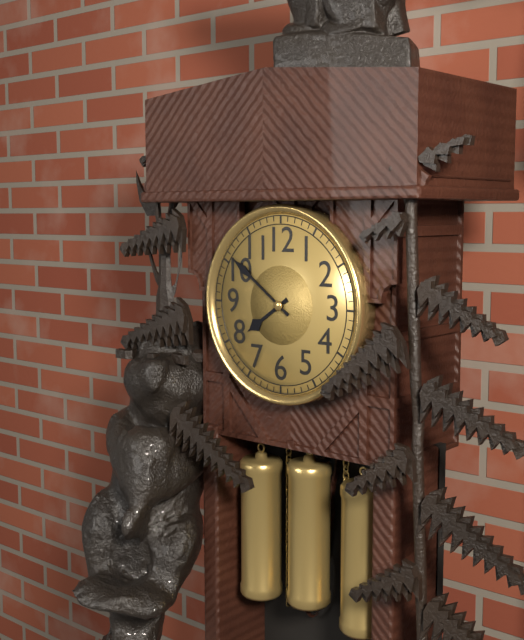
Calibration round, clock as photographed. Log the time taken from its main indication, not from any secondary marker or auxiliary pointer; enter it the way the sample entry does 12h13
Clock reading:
7h51
